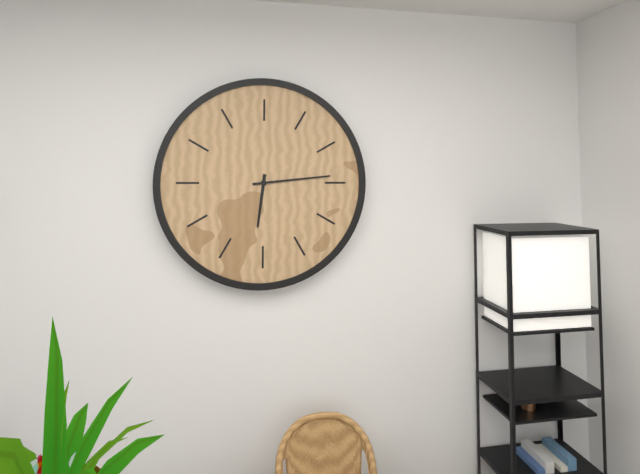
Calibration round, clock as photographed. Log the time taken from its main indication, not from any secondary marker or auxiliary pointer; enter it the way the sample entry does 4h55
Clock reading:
6h14
